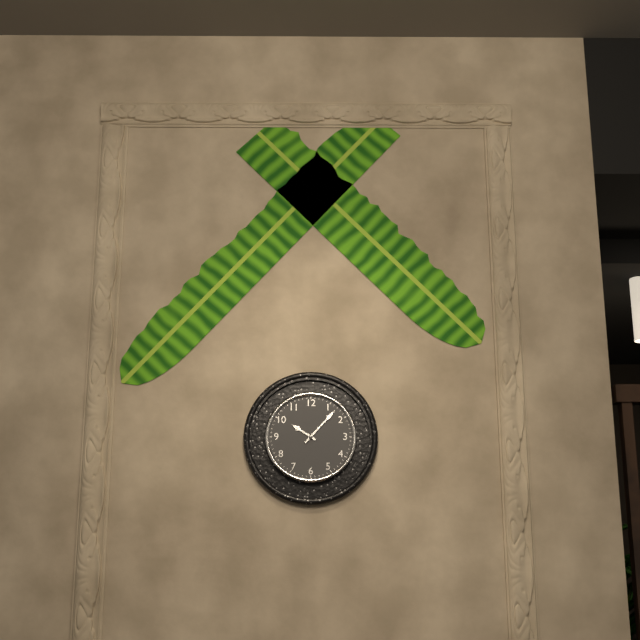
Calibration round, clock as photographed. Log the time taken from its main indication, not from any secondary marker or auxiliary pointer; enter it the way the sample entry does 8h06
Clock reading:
10h07
